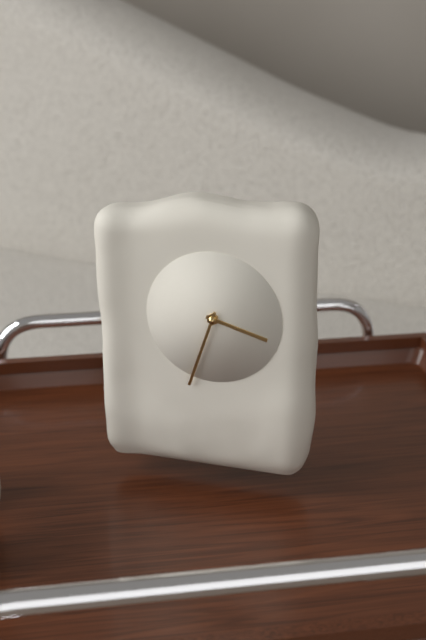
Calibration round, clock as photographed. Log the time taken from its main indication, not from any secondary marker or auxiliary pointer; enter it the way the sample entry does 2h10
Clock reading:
3h33
